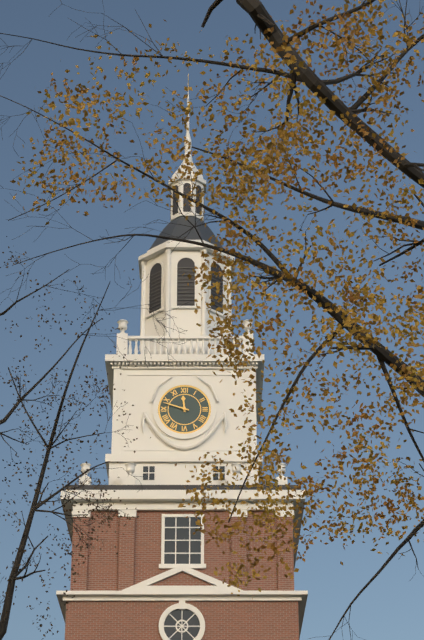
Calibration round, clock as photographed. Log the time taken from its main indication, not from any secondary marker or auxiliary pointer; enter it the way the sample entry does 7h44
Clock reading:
11h48
